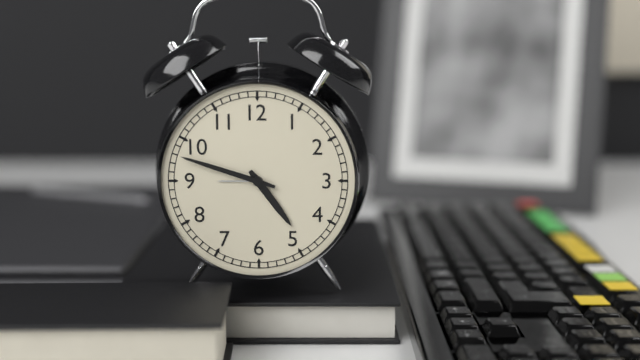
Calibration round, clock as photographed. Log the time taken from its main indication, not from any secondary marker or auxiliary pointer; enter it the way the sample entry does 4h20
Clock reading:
4h48
